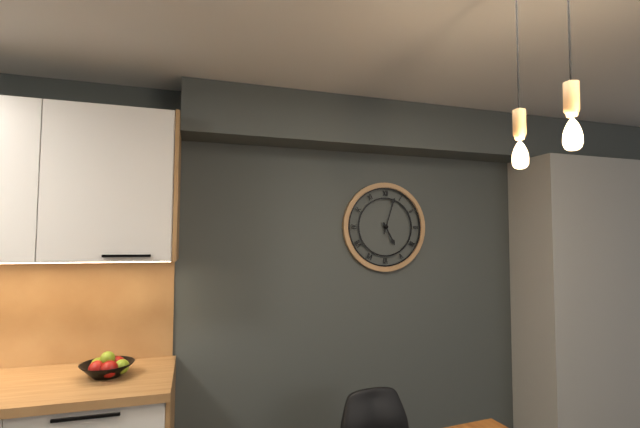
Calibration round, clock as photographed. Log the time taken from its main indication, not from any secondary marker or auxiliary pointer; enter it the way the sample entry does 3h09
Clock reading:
5h03
